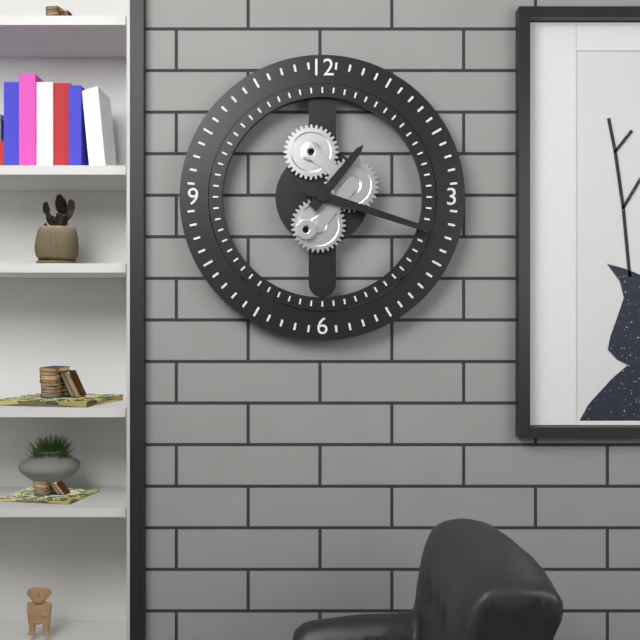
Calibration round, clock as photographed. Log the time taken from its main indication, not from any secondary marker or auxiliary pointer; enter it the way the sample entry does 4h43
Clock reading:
1h18
